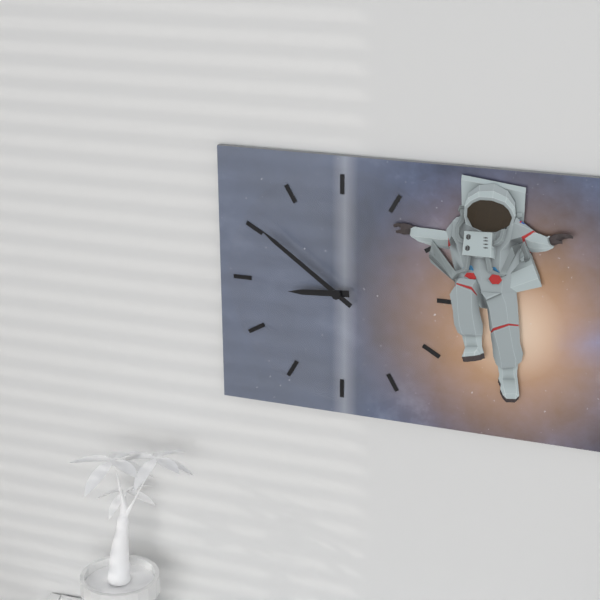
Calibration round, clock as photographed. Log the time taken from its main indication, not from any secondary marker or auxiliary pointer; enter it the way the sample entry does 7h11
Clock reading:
8h51
